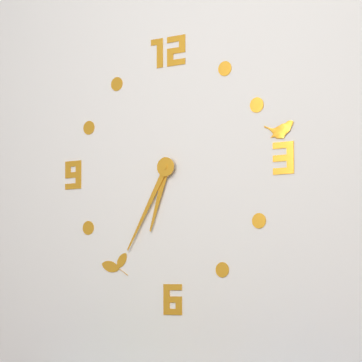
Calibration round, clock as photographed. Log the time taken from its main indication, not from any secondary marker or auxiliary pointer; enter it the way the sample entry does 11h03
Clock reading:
6h35
